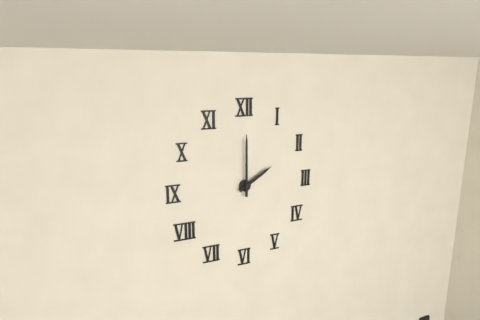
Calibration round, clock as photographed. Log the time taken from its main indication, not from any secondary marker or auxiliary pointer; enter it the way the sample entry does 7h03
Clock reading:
2h00
